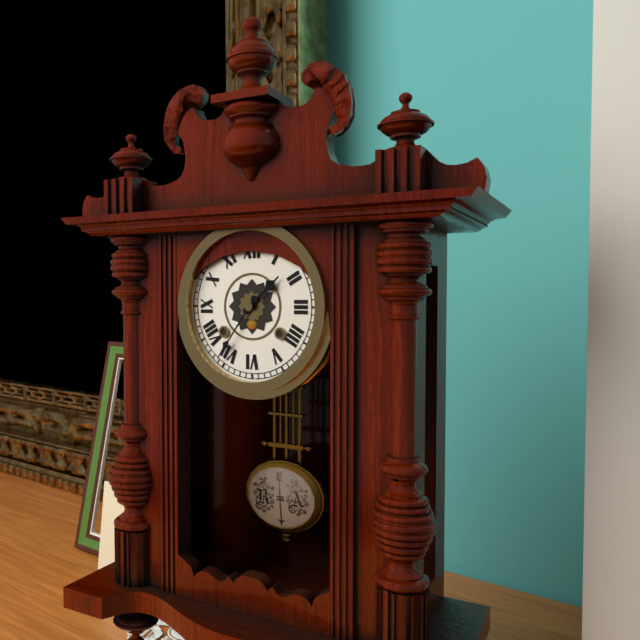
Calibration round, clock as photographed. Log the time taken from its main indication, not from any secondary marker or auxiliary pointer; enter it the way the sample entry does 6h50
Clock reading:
1h36
